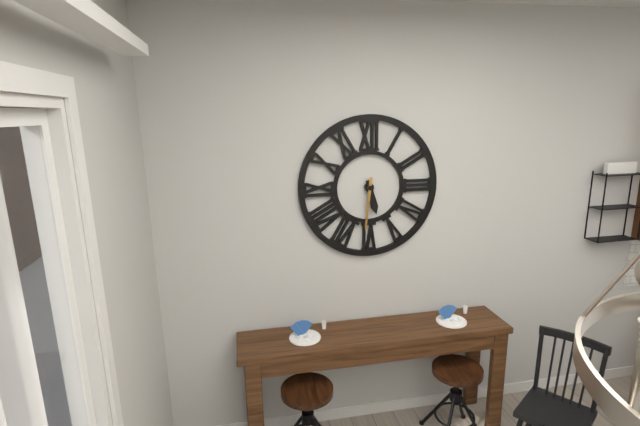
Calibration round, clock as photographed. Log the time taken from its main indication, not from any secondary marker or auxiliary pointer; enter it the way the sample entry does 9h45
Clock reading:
5h31
